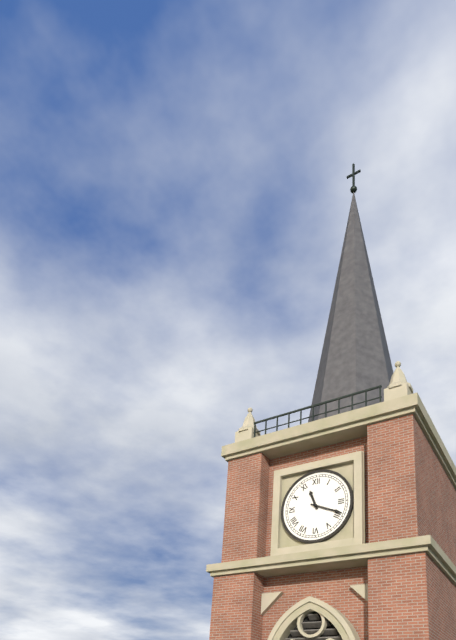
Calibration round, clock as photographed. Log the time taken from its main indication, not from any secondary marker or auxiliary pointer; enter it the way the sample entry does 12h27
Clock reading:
11h19
